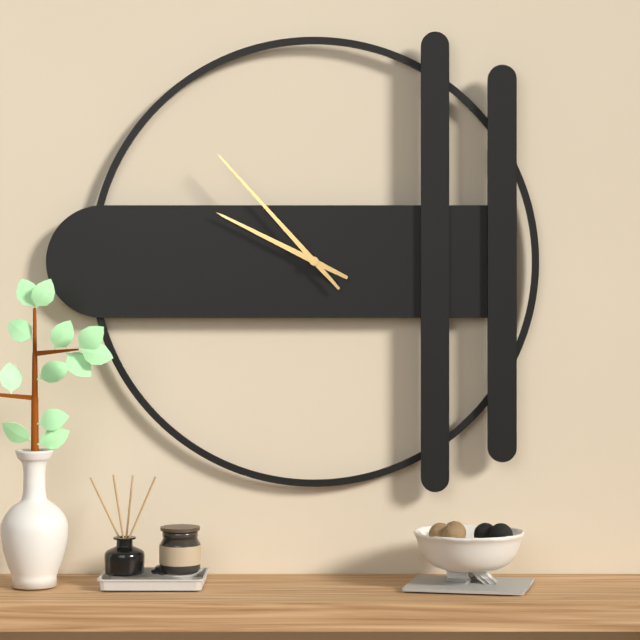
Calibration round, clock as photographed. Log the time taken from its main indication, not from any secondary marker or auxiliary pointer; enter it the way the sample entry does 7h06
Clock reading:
9h53
